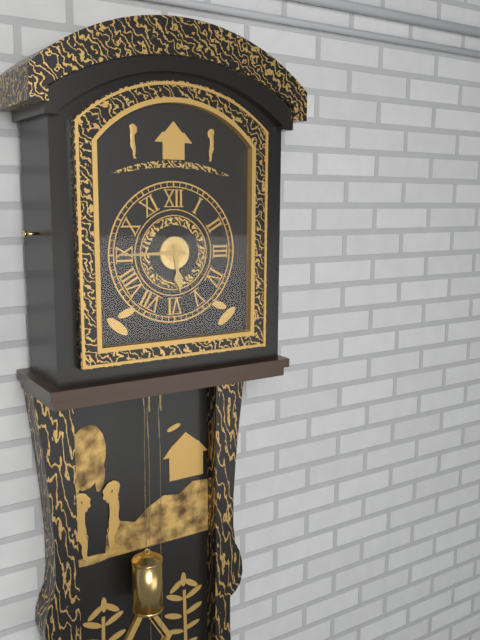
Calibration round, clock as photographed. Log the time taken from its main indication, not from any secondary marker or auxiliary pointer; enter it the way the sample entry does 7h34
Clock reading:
5h45
